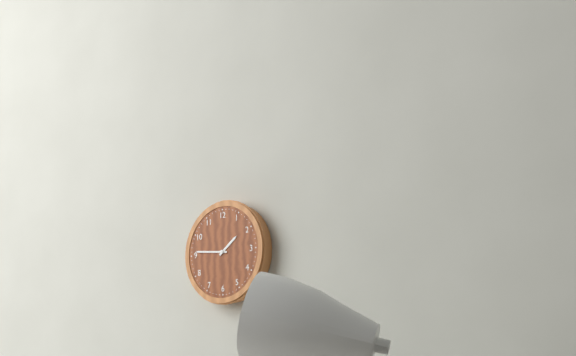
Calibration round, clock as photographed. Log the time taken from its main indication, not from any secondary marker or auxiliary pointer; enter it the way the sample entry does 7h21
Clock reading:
1h46
